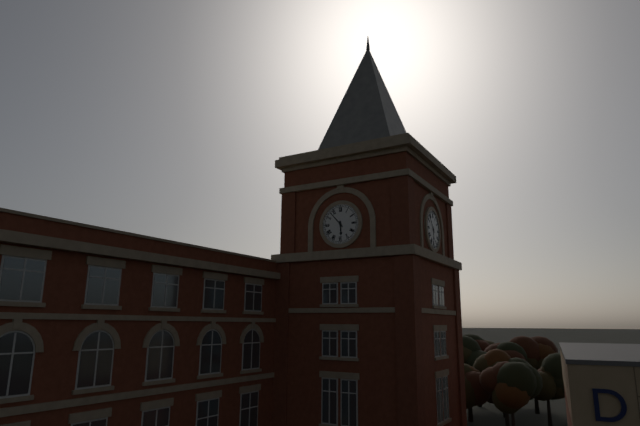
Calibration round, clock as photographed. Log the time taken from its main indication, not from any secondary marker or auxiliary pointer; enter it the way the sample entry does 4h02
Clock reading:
5h53
